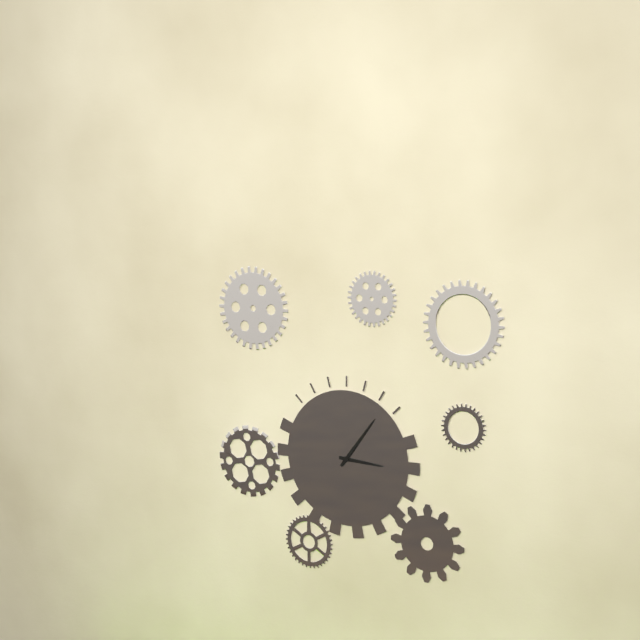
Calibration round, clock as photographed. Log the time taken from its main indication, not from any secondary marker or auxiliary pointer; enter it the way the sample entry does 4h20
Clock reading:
3h06
